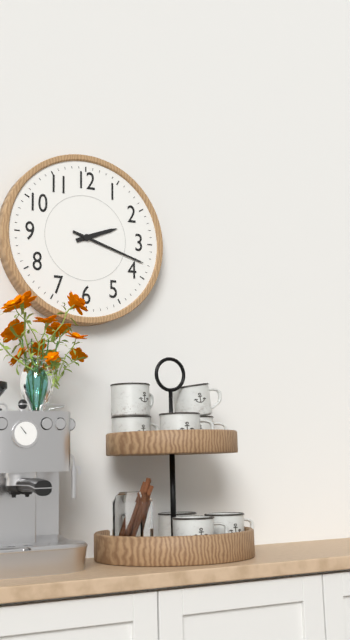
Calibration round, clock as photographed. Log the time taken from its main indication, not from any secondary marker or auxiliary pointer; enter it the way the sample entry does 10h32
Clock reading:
2h18
